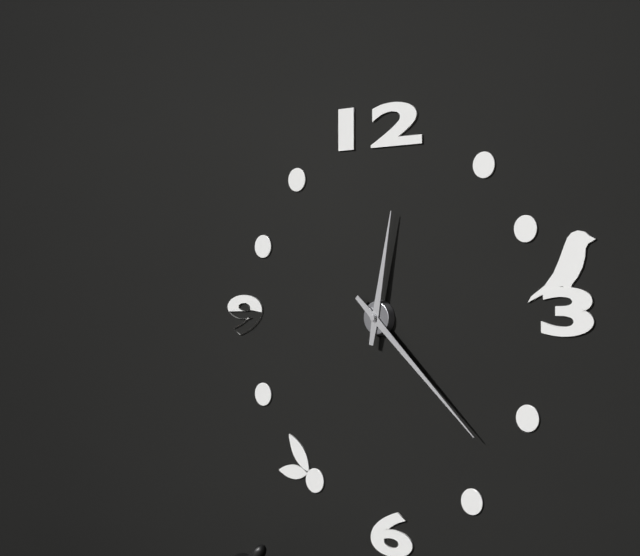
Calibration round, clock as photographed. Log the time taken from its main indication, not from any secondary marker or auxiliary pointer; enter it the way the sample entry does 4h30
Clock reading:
12h22
